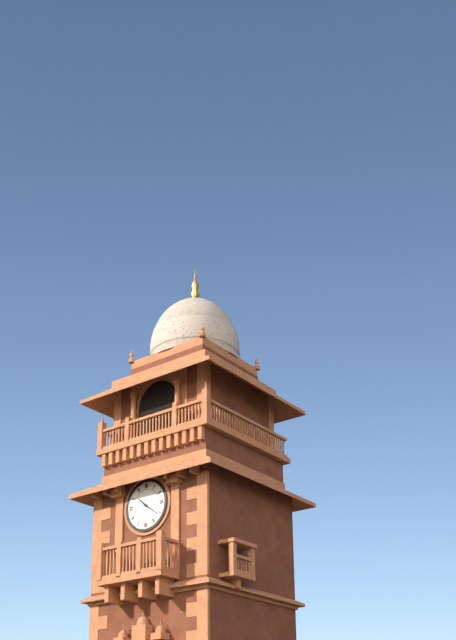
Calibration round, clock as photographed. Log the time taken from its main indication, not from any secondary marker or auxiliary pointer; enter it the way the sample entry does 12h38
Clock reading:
10h21
